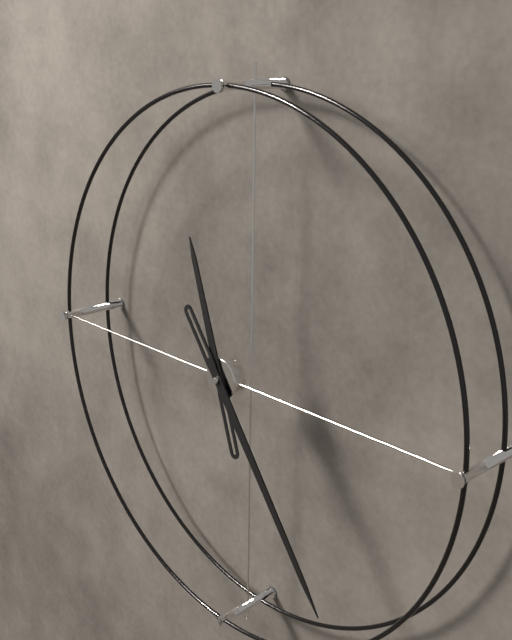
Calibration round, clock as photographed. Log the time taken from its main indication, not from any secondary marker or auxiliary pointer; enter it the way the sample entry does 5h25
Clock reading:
11h24
